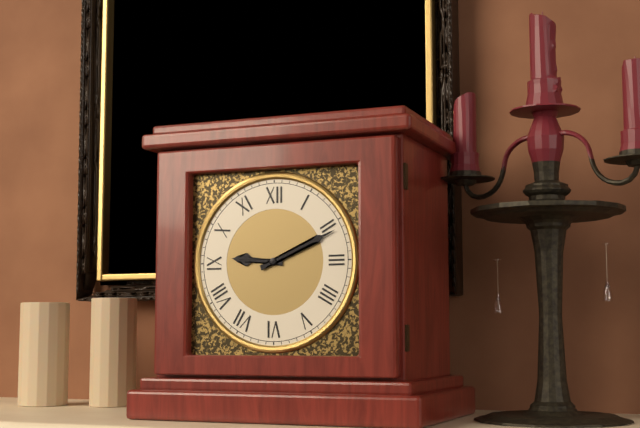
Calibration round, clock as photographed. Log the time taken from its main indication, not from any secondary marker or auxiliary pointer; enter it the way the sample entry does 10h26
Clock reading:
9h11
